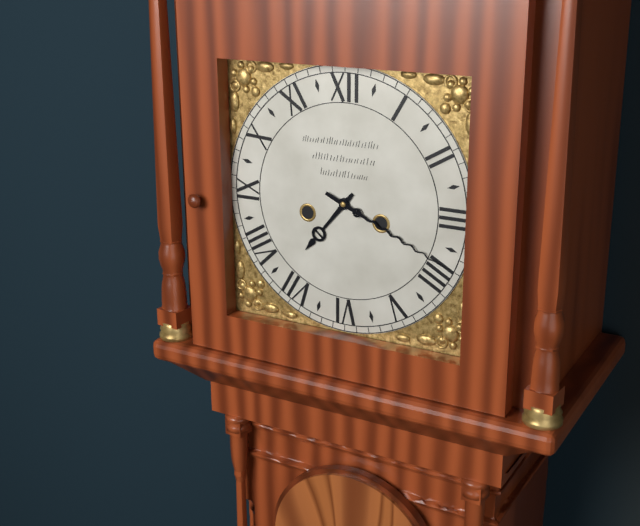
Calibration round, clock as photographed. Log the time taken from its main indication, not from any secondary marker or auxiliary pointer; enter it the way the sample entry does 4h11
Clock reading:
7h19
